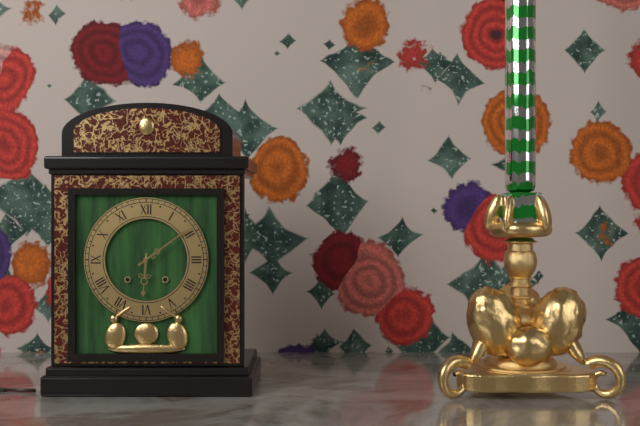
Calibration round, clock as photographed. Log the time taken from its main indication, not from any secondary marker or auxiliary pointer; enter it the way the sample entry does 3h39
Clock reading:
6h09
